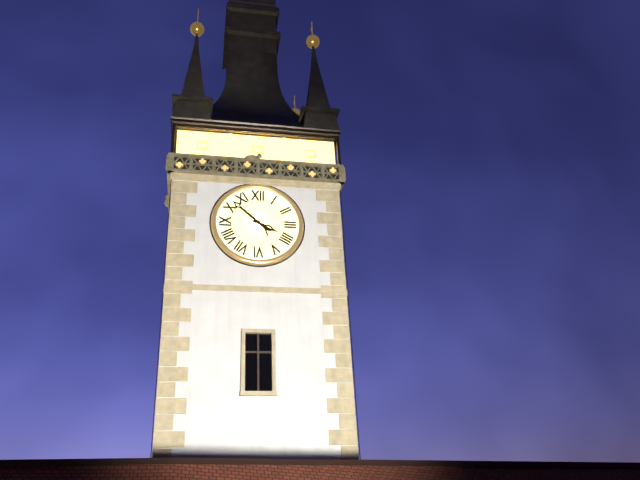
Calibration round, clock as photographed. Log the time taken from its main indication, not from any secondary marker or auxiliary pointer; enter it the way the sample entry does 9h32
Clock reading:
3h52
